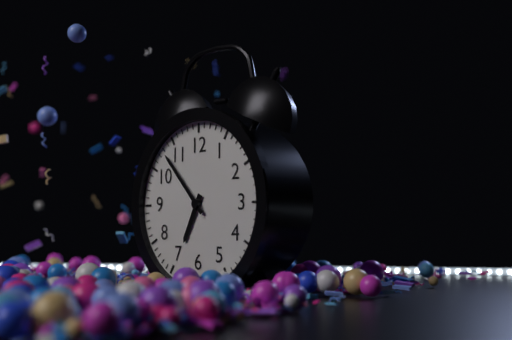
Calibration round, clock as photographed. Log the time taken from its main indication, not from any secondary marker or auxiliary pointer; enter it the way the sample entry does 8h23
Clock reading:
6h53
